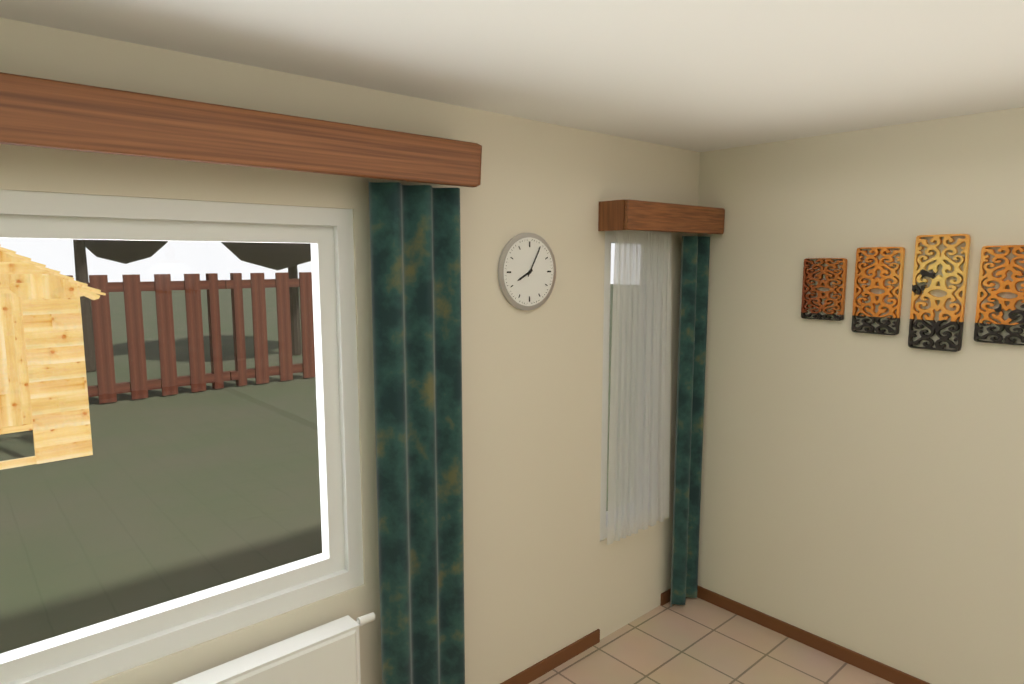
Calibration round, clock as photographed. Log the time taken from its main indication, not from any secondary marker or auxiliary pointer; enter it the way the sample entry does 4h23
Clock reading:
8h05
